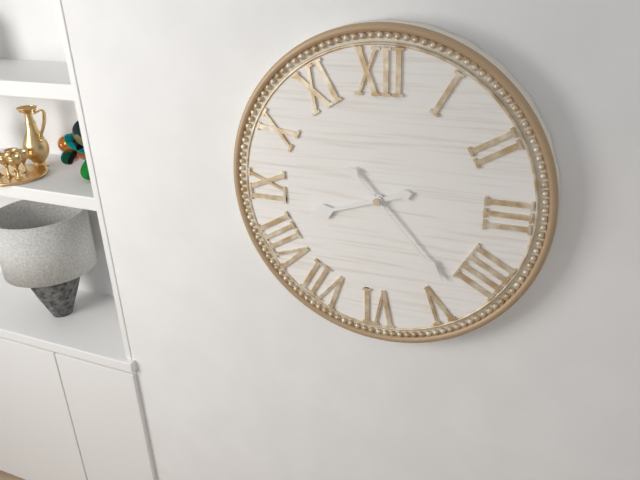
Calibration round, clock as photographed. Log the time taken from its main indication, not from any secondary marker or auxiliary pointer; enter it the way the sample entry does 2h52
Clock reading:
8h23
